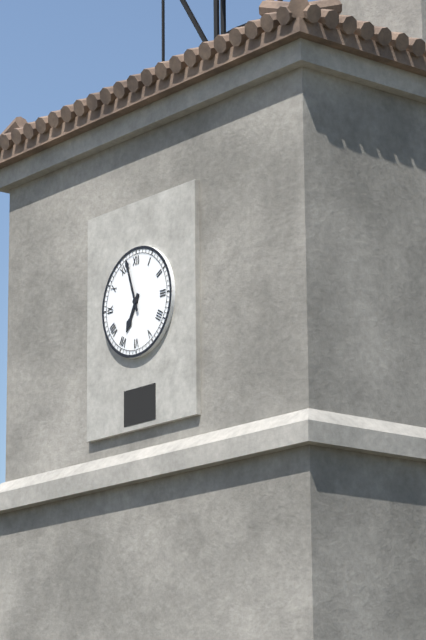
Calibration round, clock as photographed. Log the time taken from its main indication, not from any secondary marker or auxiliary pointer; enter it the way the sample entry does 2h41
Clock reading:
6h57
